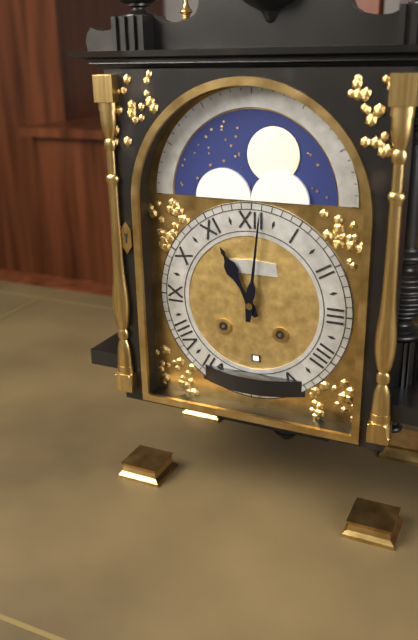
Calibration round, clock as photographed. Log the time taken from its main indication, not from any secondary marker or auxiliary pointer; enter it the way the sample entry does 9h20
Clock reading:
11h01
